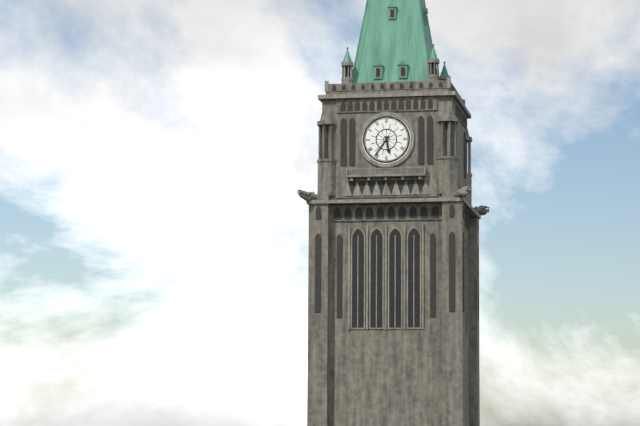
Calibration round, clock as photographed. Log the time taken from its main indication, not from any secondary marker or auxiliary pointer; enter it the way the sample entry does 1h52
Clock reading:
5h36
